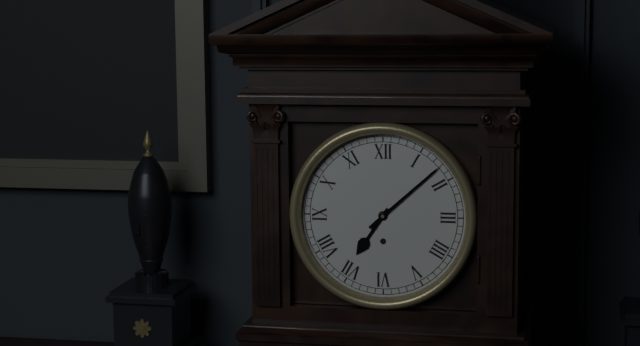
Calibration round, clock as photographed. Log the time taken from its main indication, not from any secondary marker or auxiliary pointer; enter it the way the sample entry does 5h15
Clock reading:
7h08
